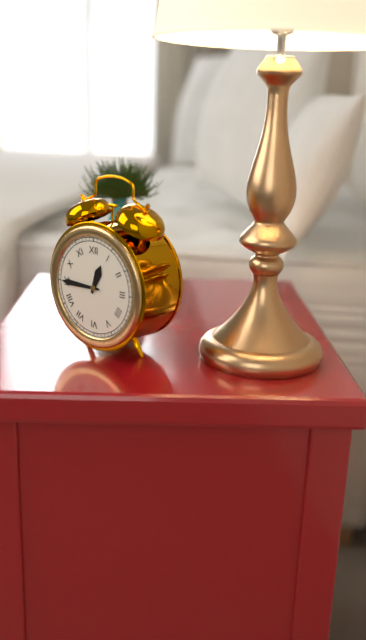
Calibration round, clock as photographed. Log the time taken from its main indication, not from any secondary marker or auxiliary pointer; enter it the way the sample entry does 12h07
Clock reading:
12h45
